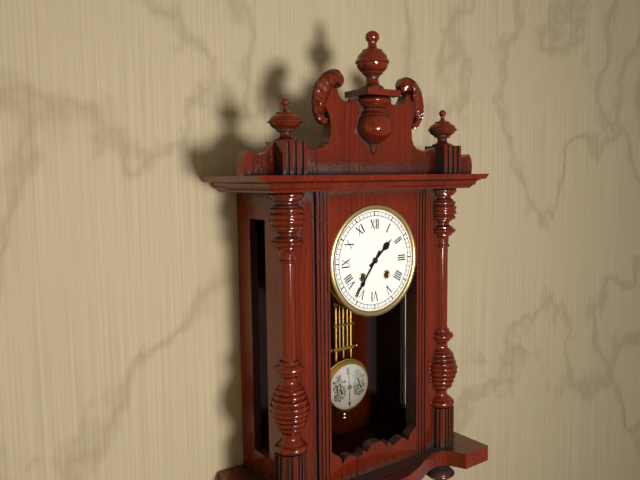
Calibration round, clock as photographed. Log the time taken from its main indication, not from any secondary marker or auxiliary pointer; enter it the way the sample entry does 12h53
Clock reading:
1h36
